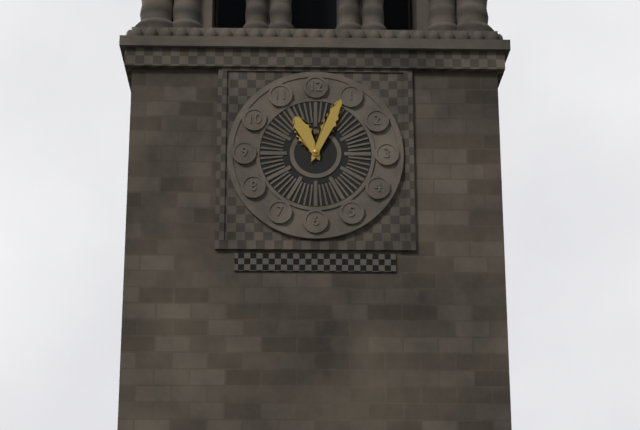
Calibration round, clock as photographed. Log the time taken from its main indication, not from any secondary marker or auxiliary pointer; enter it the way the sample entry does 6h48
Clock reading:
11h04
